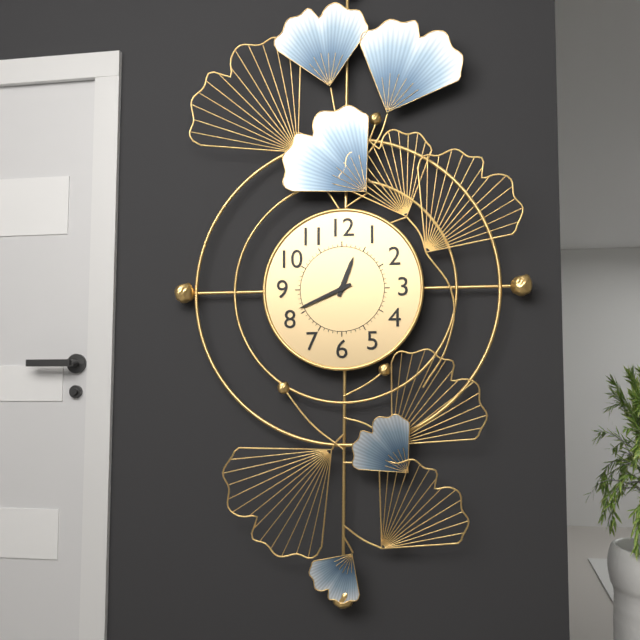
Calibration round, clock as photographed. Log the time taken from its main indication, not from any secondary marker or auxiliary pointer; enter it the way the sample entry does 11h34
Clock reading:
12h41
